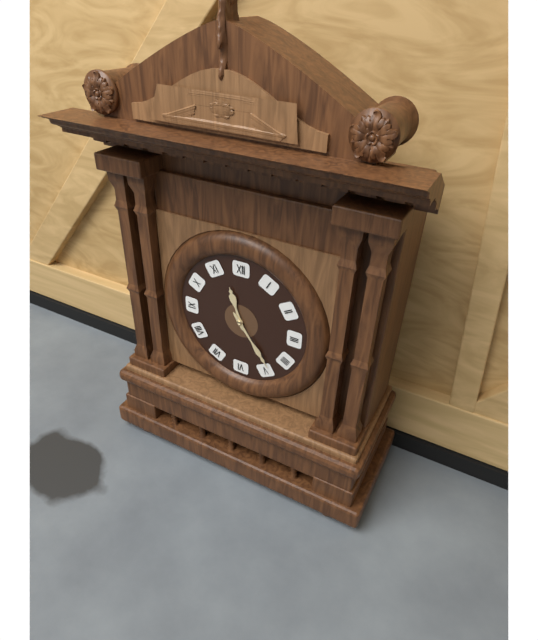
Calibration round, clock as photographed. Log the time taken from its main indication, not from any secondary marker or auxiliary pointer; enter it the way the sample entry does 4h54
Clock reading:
11h24
